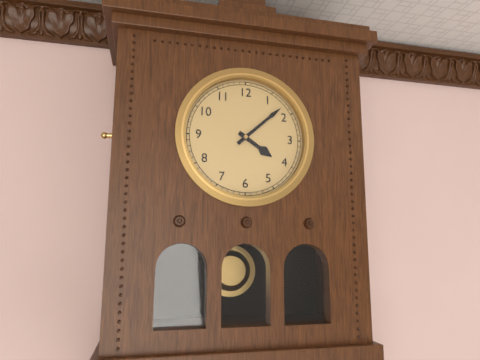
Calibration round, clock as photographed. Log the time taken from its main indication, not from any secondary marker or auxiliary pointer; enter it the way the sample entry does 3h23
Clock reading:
4h08
